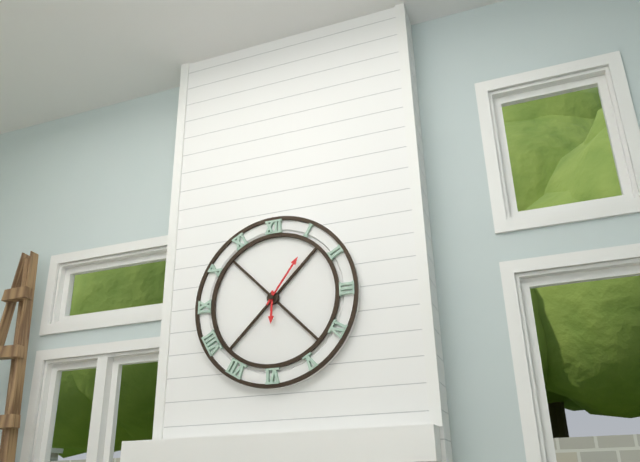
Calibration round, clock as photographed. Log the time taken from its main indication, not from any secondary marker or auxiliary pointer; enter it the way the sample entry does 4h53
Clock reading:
6h06
